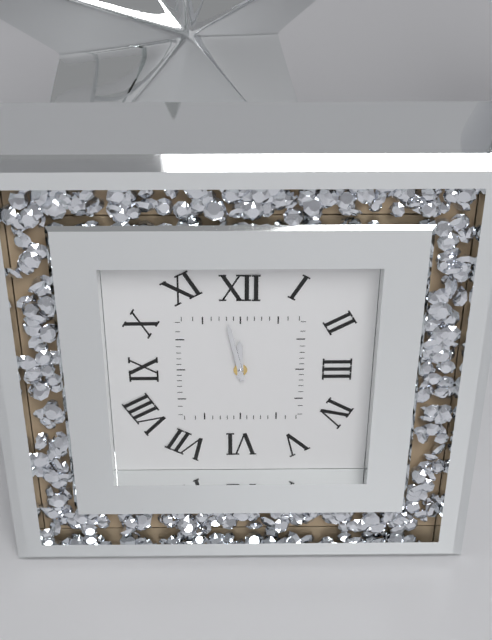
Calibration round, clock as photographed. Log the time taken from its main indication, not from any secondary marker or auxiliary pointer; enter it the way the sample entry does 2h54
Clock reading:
11h58
